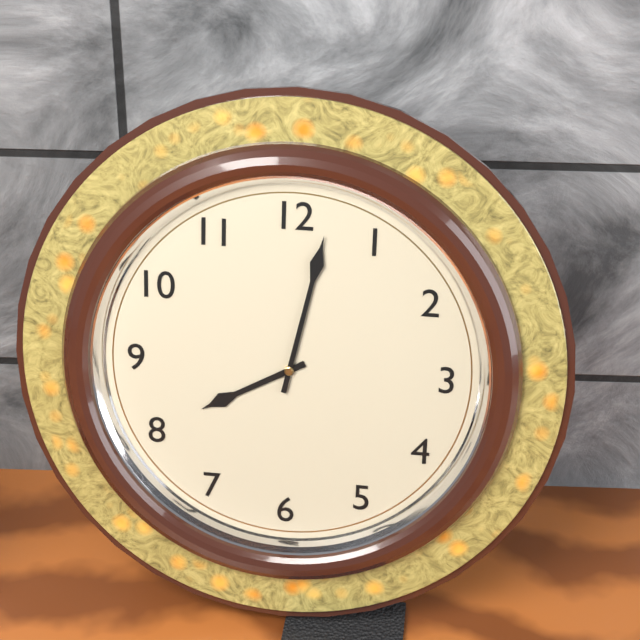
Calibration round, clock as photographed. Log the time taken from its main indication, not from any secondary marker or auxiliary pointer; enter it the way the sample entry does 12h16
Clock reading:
8h02
